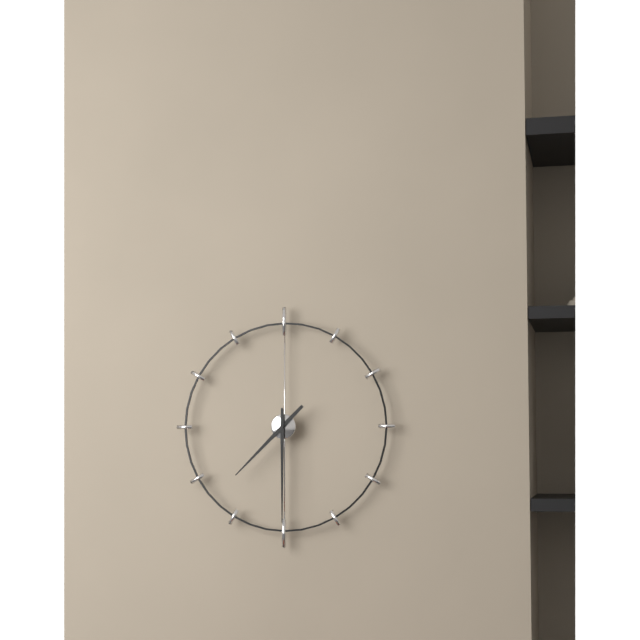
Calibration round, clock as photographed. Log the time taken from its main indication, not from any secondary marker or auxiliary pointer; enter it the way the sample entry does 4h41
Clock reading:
7h30
